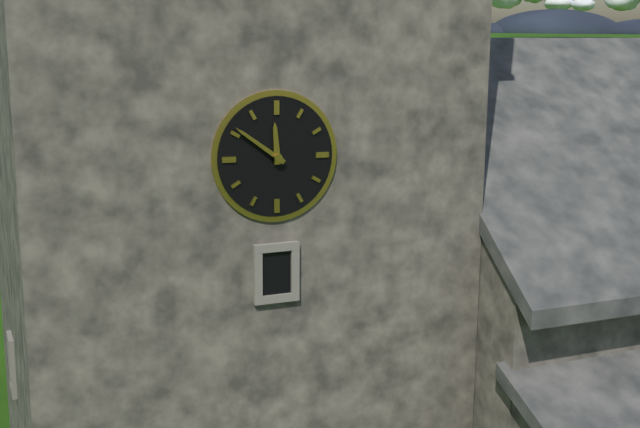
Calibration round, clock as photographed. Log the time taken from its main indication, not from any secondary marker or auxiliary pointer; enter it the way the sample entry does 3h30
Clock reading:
11h51
